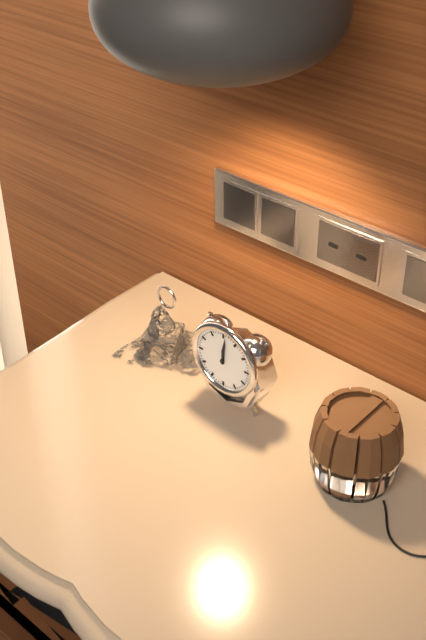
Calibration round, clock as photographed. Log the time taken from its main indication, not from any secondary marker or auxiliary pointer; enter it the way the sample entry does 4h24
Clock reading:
12h01
